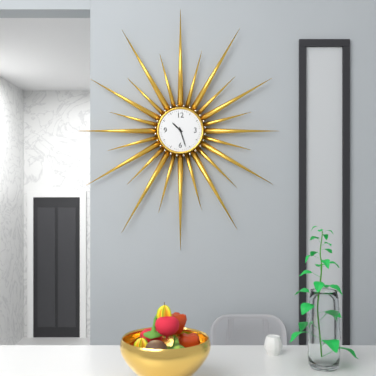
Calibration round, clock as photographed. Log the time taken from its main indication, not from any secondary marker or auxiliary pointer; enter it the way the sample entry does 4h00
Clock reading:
10h27
